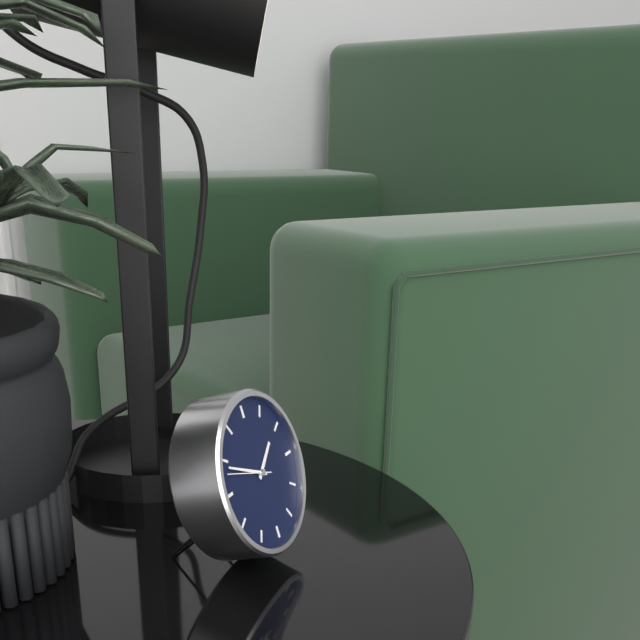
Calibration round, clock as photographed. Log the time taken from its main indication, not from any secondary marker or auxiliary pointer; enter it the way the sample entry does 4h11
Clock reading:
1h49
